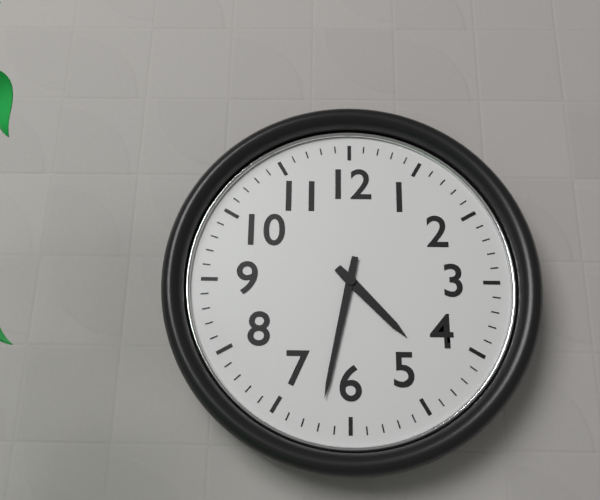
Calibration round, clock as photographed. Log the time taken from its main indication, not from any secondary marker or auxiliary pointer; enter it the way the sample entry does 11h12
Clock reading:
4h32
